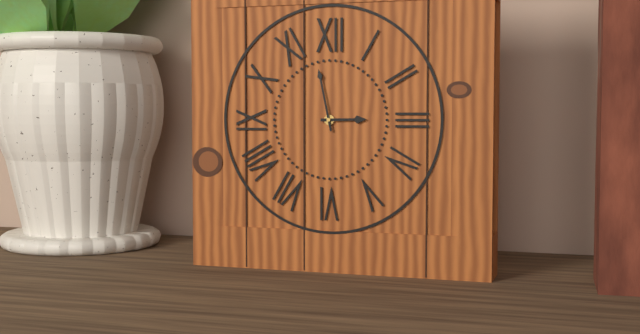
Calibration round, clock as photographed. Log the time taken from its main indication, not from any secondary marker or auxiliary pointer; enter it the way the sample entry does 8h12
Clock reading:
2h58
